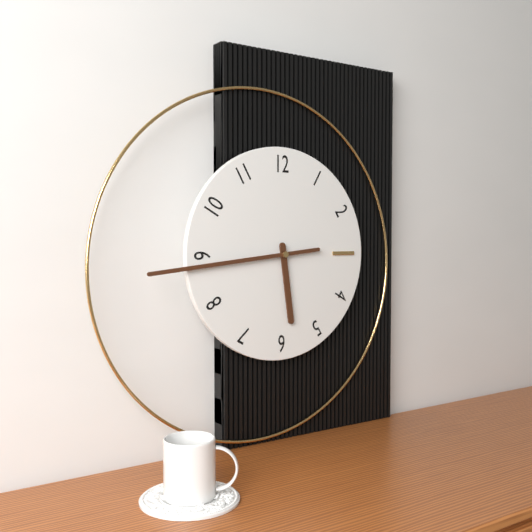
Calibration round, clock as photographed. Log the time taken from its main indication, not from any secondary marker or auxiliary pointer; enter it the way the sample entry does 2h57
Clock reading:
5h44
